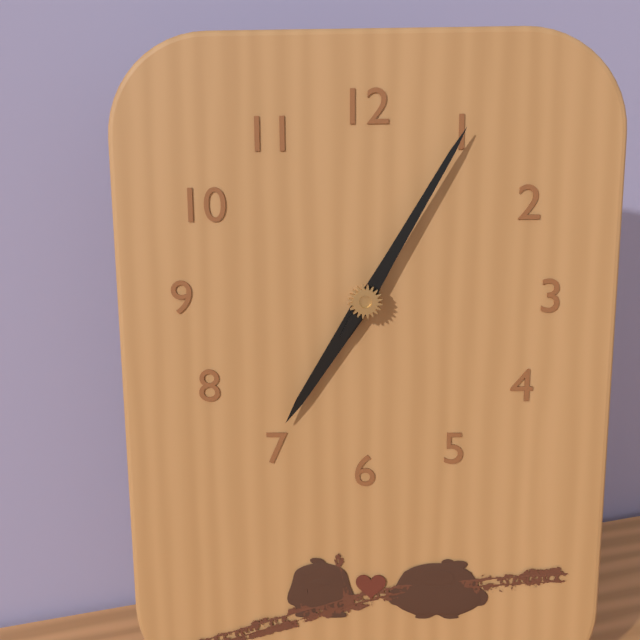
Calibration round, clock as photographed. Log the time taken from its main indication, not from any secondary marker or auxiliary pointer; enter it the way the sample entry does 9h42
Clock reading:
7h05
